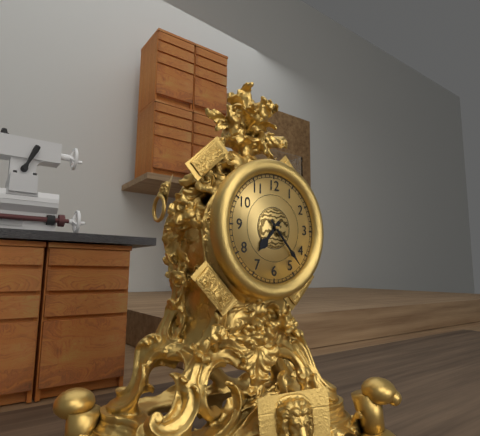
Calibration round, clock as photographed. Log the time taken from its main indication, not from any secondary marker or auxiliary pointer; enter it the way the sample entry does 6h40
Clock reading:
7h23
